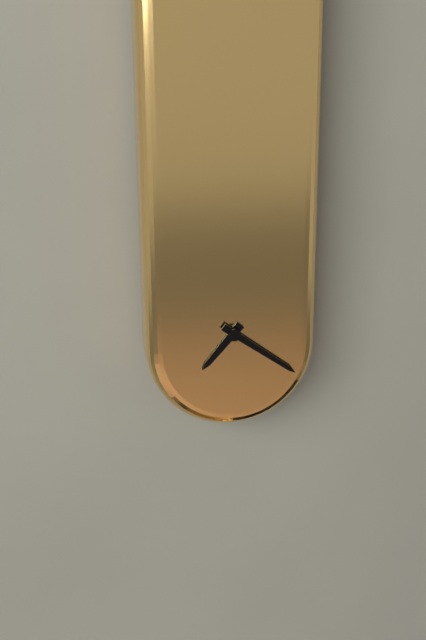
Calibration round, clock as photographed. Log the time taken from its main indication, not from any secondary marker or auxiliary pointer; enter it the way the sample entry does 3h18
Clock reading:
7h21
